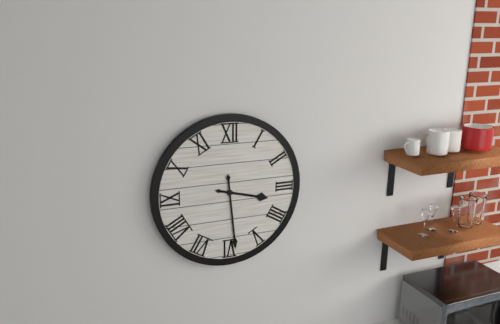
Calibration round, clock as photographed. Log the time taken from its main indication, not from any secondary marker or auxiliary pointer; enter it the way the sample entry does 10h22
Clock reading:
3h29
